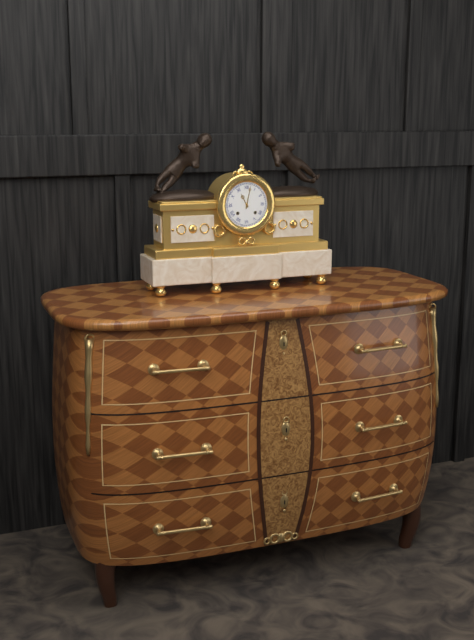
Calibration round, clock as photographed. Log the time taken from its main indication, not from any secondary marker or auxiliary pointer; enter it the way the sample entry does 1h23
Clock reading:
11h02
